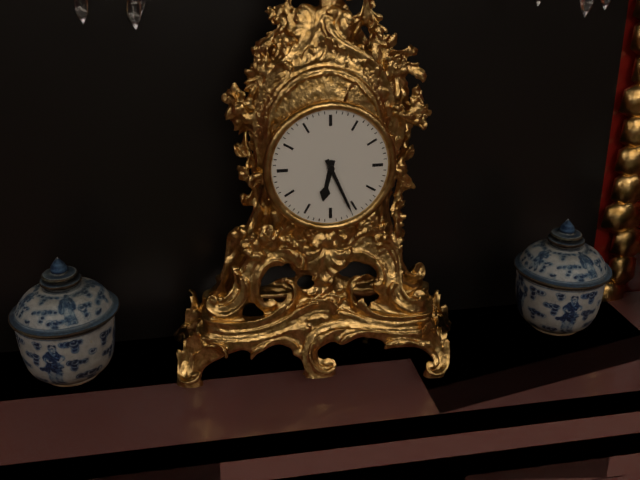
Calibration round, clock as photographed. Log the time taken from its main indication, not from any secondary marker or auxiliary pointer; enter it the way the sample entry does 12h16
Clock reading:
6h26
